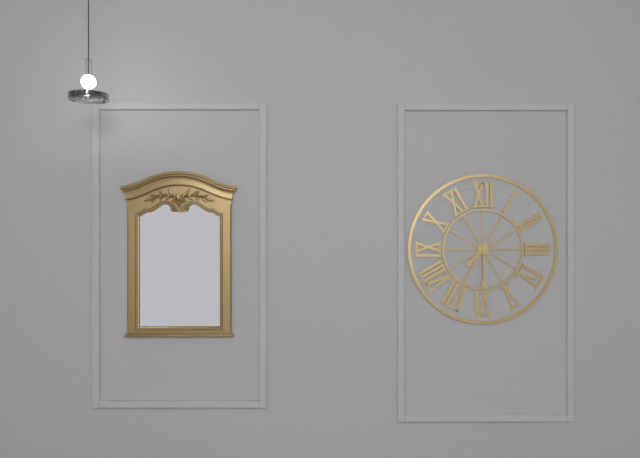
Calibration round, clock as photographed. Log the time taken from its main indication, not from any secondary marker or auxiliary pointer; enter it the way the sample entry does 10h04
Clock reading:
7h30
